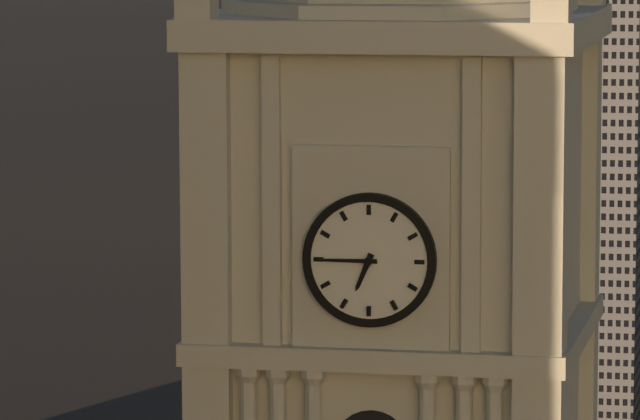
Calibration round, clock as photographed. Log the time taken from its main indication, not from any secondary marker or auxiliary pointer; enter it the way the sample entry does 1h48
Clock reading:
6h45
